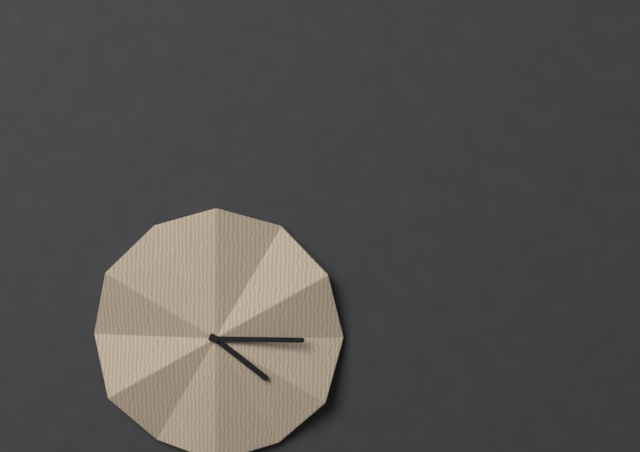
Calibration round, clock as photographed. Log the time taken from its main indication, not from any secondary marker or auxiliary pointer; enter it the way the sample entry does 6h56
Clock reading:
4h15
